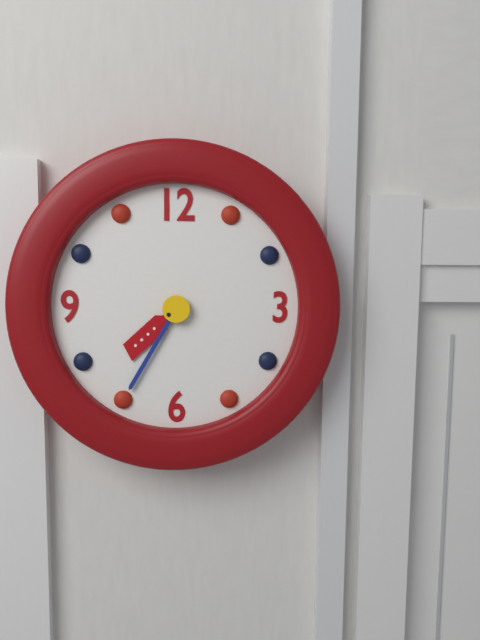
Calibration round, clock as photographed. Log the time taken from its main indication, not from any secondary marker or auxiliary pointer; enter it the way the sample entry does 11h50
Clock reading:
7h35
